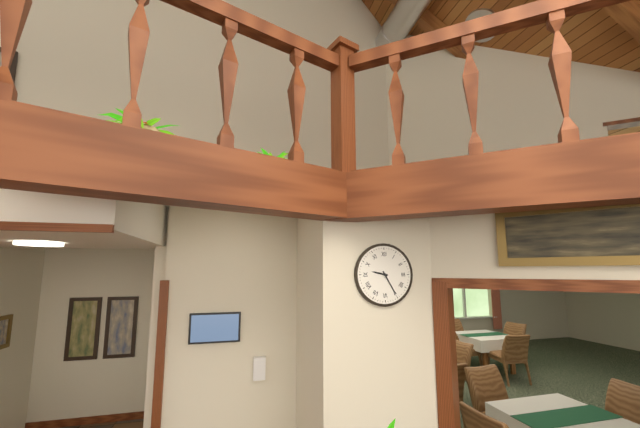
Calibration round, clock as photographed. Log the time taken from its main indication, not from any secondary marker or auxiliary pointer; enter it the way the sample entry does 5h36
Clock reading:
9h25
